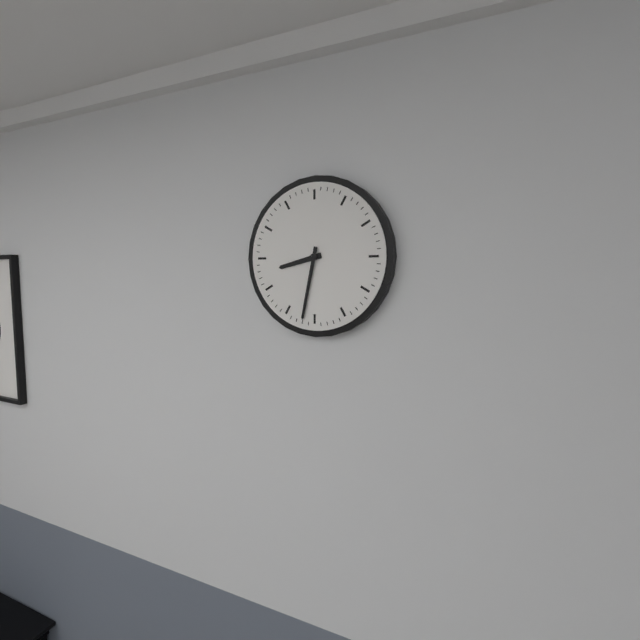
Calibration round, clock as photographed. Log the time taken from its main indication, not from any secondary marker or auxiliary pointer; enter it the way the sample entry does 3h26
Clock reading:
8h32
